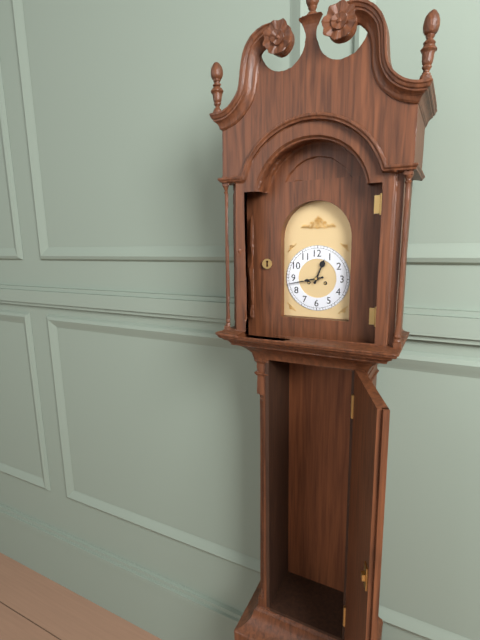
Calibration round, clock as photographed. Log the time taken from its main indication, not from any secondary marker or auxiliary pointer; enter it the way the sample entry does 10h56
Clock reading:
12h43
